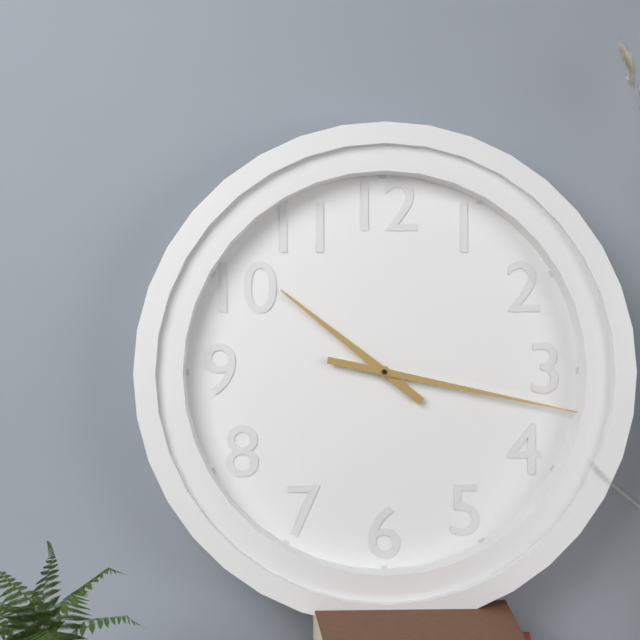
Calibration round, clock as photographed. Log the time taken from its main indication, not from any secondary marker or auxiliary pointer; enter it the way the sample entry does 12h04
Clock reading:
10h17
